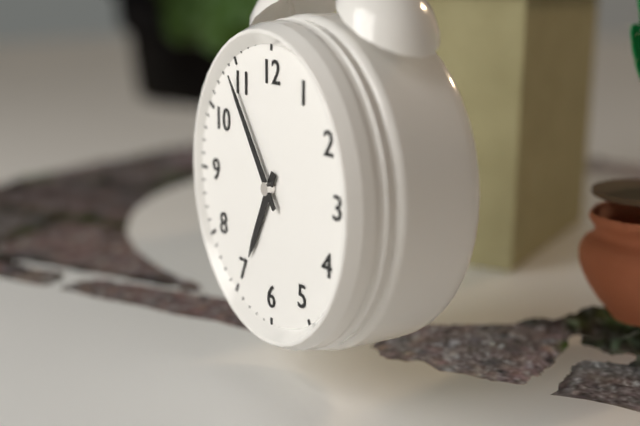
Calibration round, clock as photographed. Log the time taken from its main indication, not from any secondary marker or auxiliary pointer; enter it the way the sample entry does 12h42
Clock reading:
6h54
